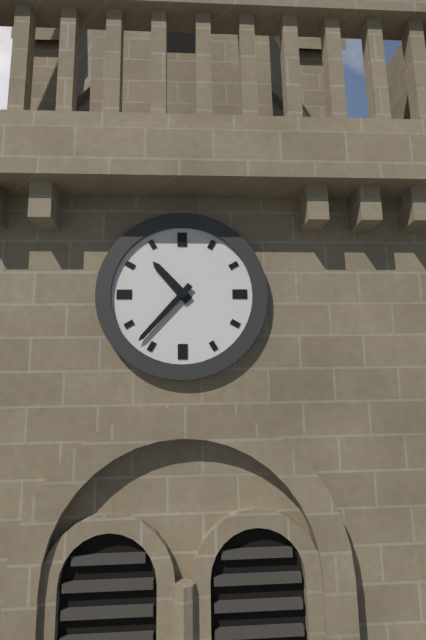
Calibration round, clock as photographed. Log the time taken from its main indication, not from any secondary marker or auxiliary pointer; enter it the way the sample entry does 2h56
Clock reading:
10h37
